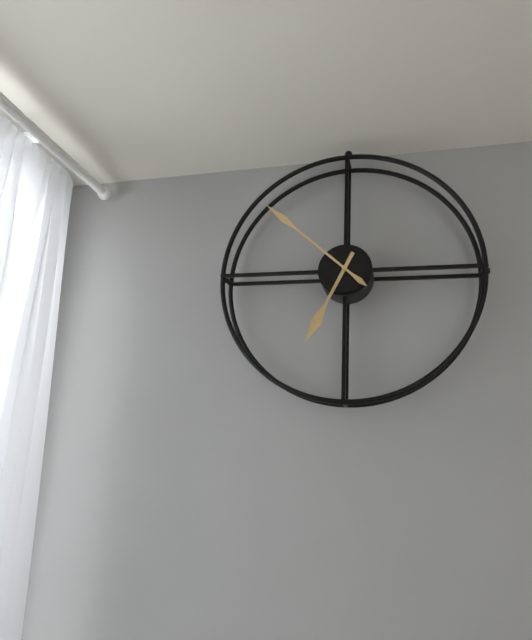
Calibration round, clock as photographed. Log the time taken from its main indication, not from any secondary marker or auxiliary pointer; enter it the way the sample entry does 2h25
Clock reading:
6h52
